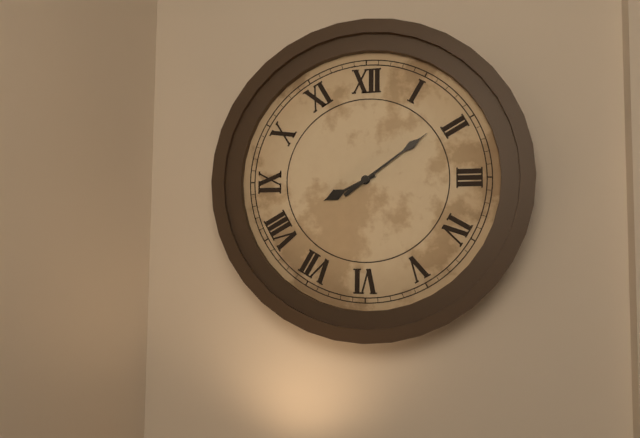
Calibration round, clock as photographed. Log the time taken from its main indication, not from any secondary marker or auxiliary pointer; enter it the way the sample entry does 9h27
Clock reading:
8h09
